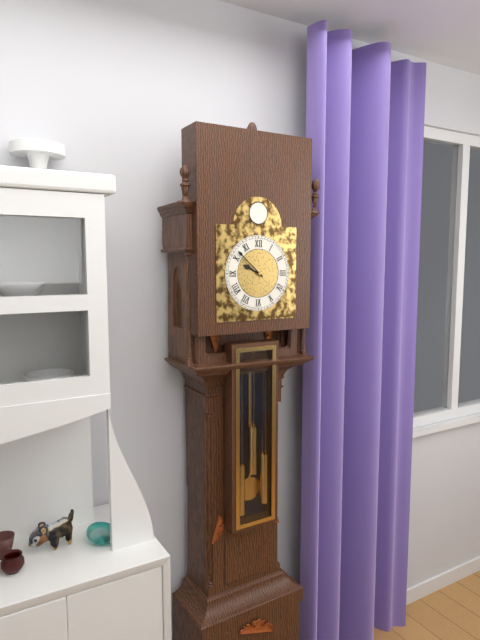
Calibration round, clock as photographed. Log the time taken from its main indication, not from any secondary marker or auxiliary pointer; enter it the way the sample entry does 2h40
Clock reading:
9h52
